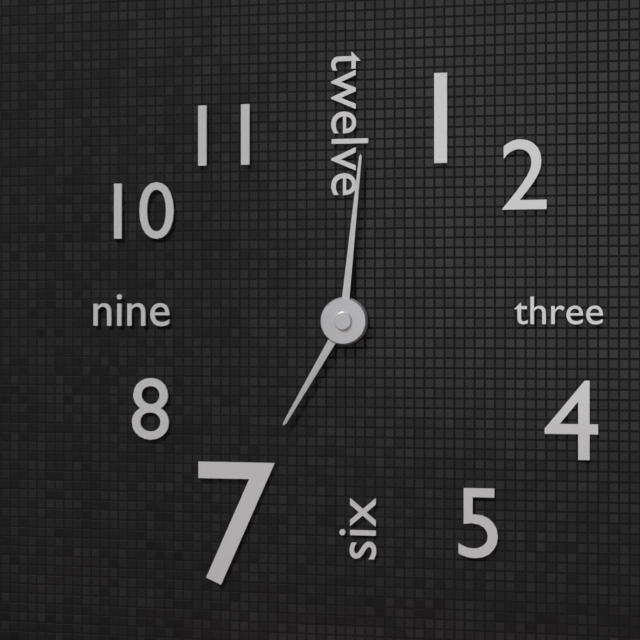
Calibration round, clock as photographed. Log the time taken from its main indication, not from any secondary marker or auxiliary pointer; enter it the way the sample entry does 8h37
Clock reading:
7h01
